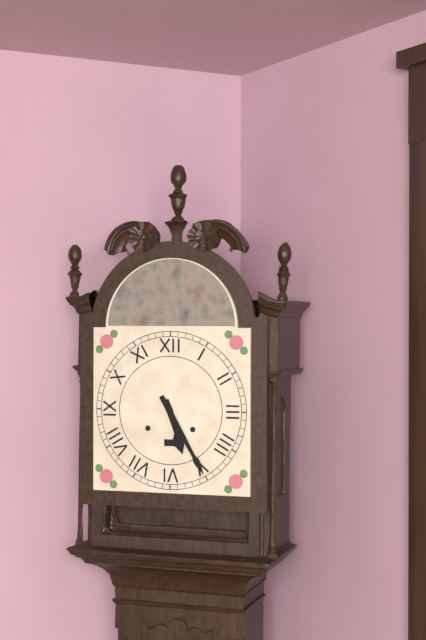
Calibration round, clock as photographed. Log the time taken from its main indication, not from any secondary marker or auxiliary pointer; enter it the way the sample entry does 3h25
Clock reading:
5h25
